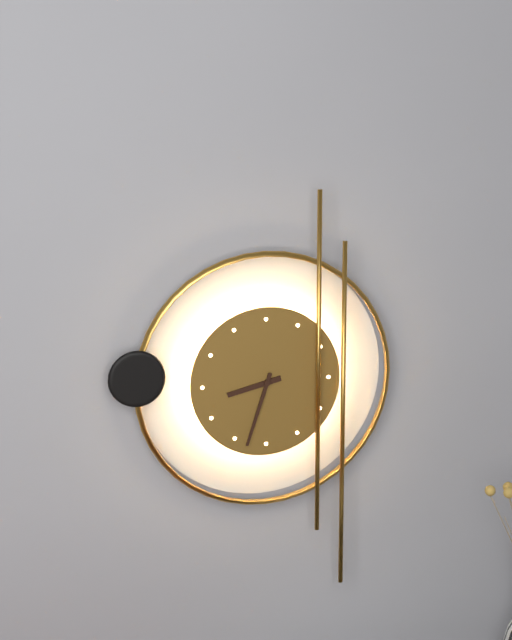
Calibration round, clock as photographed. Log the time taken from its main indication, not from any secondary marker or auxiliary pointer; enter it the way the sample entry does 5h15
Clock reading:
8h33
